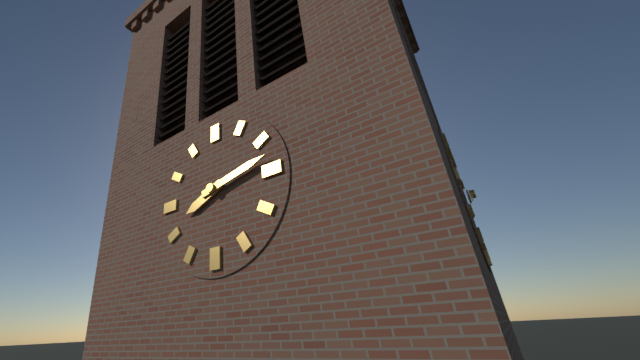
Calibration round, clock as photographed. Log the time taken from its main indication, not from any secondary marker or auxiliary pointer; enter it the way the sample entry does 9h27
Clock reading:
8h13
